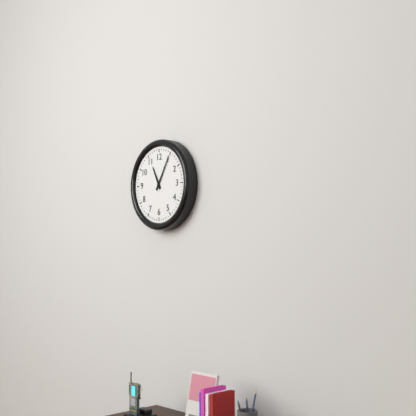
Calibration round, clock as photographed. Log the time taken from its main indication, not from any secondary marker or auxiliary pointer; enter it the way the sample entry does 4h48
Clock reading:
11h05
